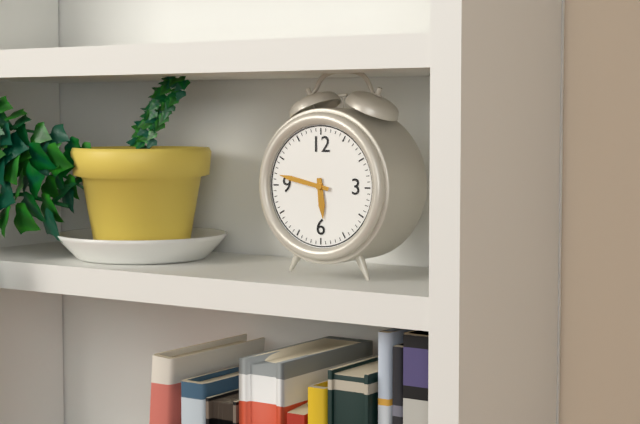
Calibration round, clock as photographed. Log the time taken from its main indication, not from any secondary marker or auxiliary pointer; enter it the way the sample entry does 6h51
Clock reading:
5h47
